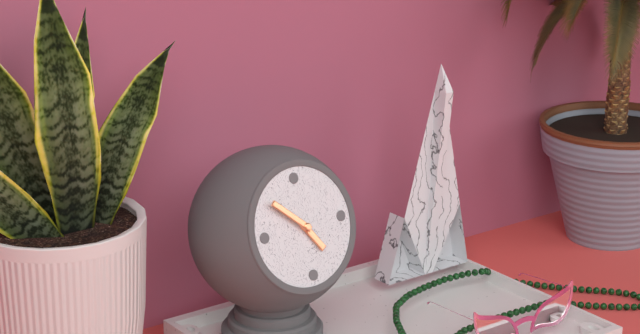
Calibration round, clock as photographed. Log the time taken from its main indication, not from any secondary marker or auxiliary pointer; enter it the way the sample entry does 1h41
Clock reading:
4h52
